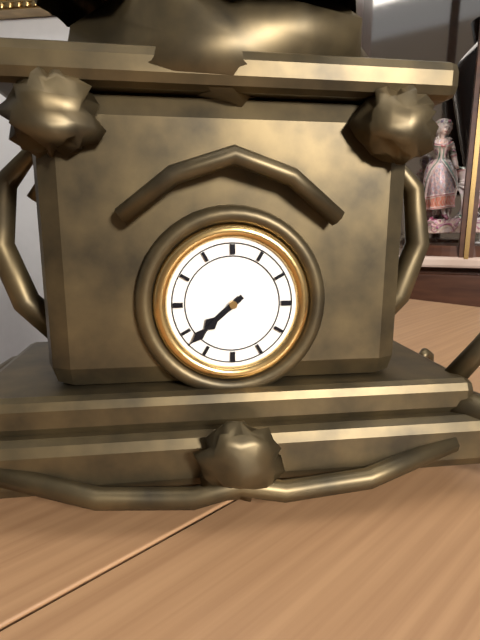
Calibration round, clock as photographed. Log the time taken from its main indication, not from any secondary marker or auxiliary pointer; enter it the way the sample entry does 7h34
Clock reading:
7h38
